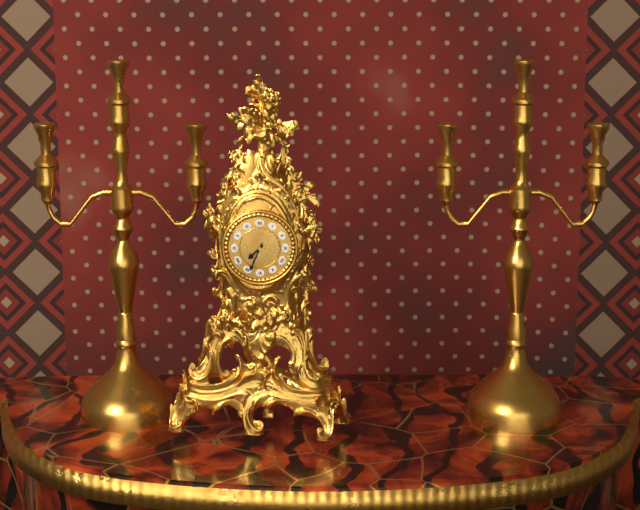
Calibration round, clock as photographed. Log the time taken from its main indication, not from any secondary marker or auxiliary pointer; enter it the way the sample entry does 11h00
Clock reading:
7h34
